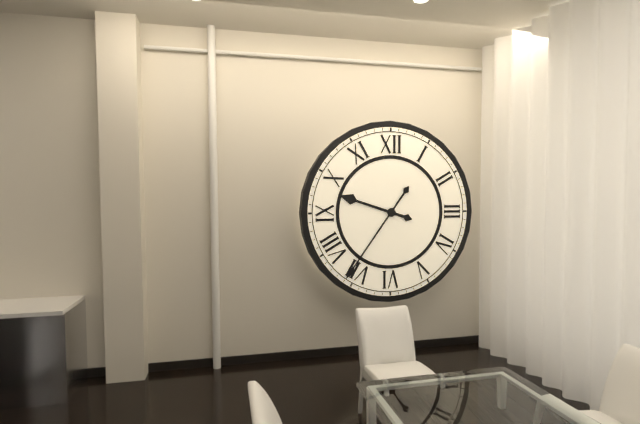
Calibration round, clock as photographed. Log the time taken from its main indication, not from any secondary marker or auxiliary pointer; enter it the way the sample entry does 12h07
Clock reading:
9h36
